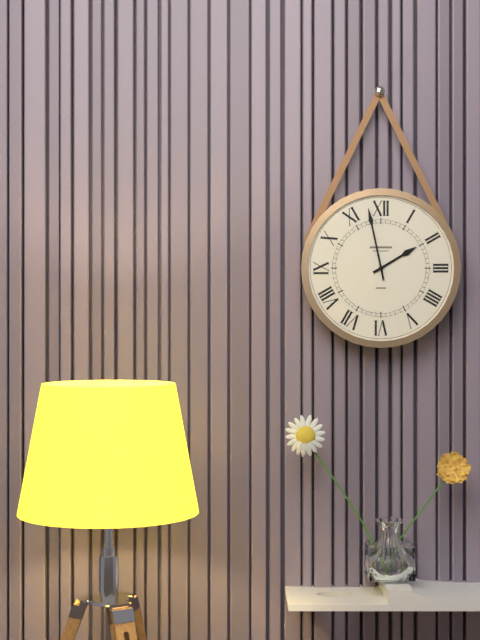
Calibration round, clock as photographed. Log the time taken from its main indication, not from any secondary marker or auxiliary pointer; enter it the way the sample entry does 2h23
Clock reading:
1h58
